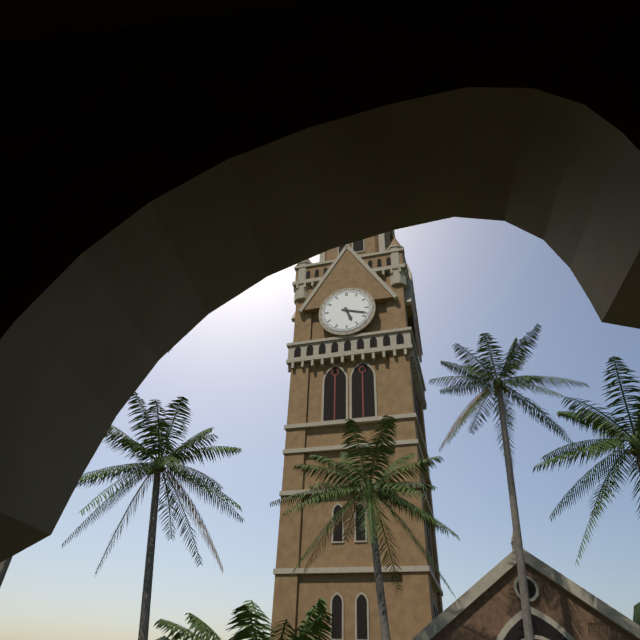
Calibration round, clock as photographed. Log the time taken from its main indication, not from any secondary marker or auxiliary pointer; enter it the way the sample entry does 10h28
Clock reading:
5h18
